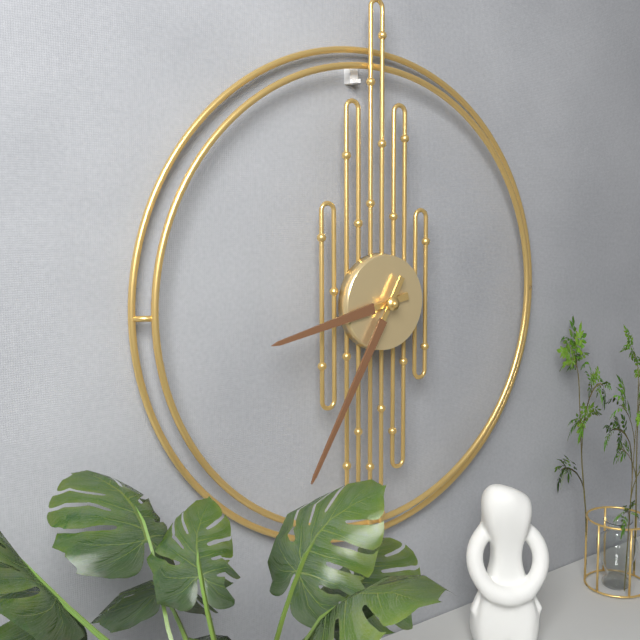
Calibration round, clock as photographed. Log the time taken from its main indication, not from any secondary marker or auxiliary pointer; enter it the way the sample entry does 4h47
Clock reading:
8h35
